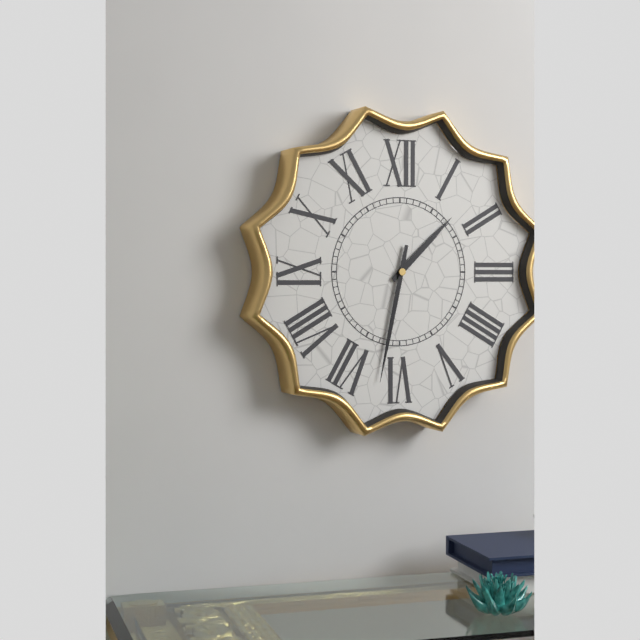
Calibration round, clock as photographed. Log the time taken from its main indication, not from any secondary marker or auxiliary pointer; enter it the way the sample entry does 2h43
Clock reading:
1h32
